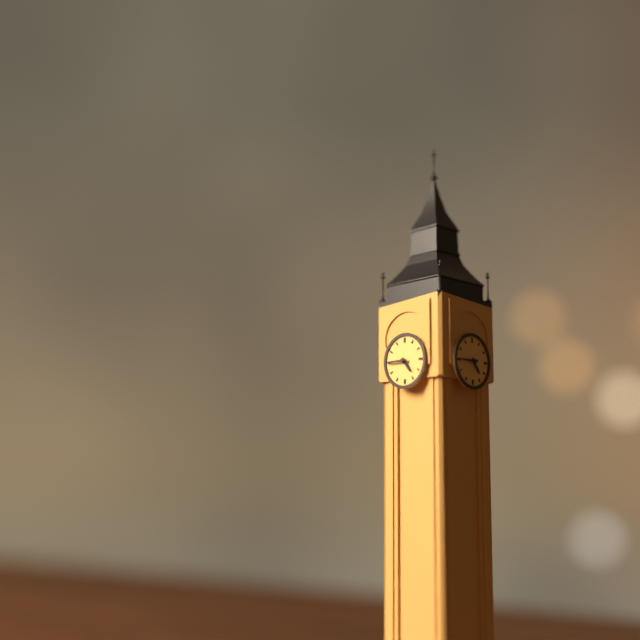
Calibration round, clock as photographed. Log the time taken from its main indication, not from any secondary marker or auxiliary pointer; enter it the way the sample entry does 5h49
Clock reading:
4h45
